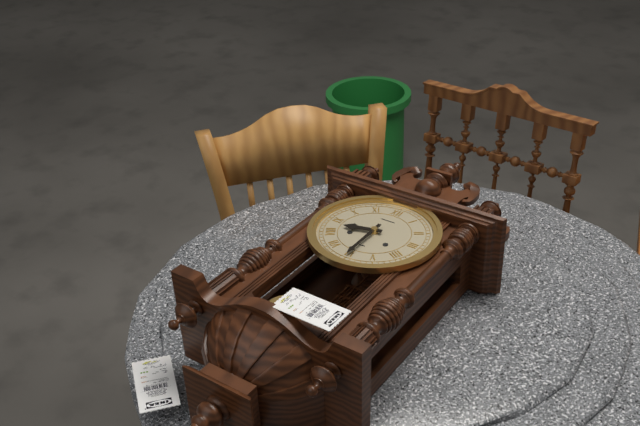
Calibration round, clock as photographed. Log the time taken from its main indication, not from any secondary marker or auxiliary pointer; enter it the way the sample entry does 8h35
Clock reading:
8h30
